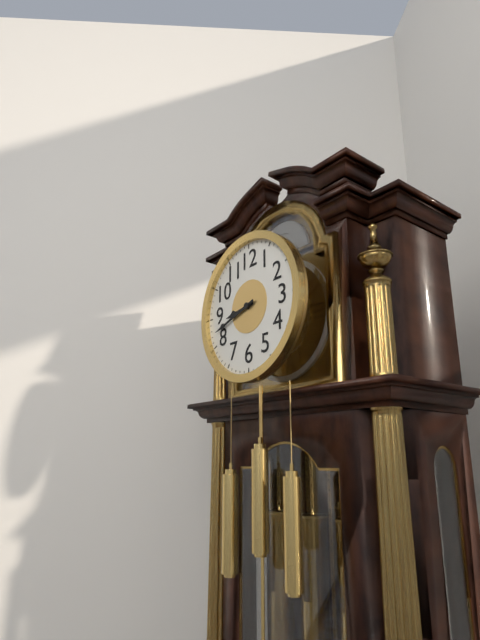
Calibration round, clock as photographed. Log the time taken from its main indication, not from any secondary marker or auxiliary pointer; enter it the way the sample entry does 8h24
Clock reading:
8h42
